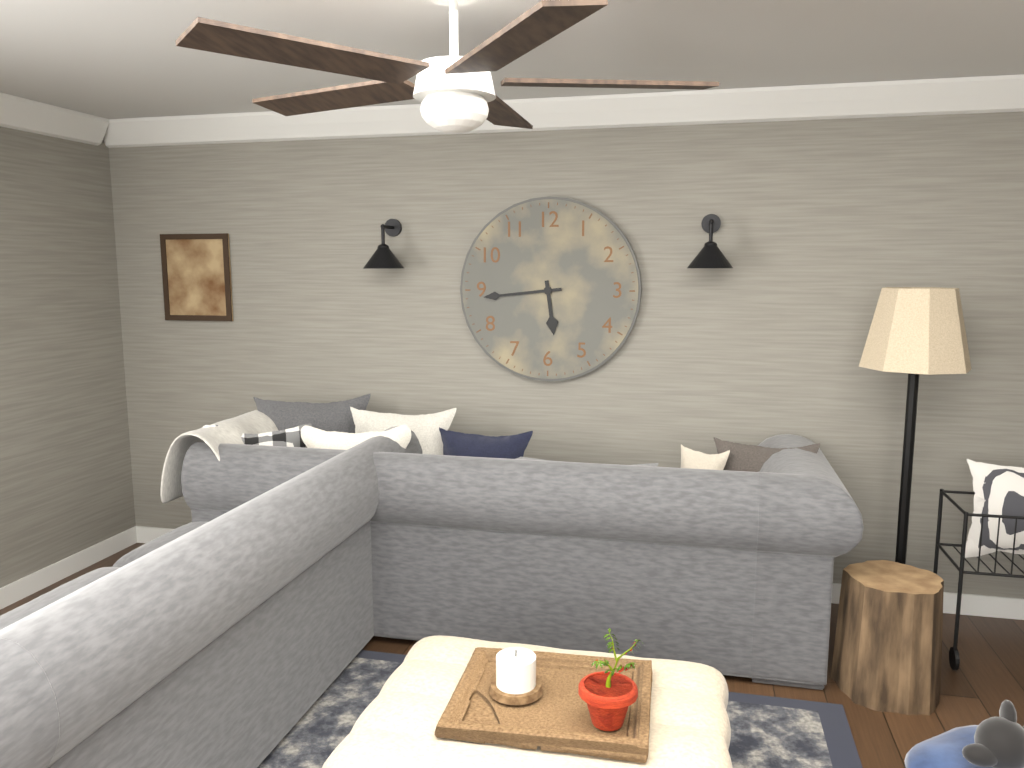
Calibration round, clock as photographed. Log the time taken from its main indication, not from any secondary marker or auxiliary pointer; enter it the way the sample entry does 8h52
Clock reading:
5h44
